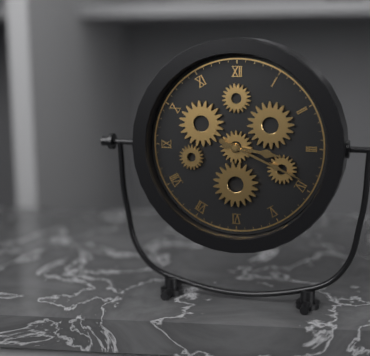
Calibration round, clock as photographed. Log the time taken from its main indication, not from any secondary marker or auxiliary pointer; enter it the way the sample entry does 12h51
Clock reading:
3h19
